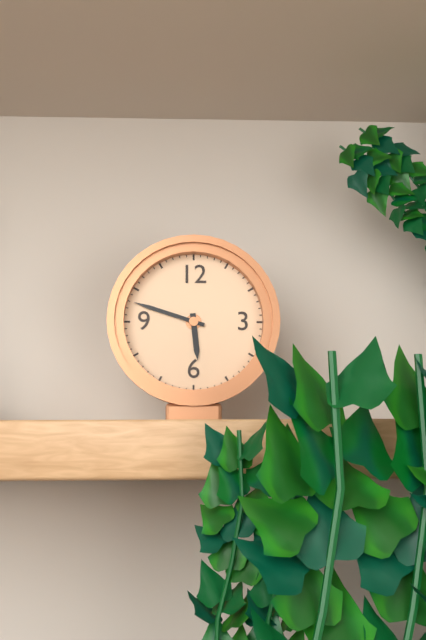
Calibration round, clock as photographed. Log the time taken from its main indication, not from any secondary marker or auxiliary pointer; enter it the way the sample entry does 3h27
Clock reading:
5h48
